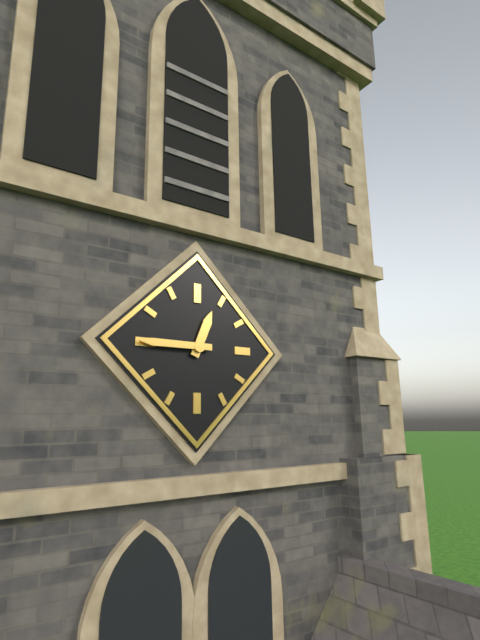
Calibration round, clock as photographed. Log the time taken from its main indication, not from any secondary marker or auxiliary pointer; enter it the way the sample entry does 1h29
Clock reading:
12h45
